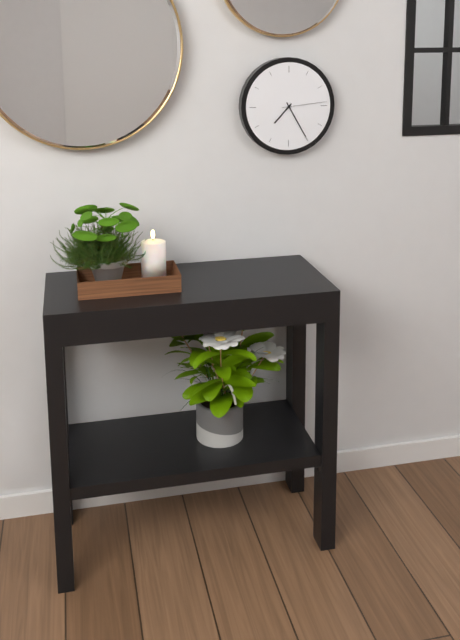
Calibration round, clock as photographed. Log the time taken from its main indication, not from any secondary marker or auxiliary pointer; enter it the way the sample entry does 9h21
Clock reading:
7h25
